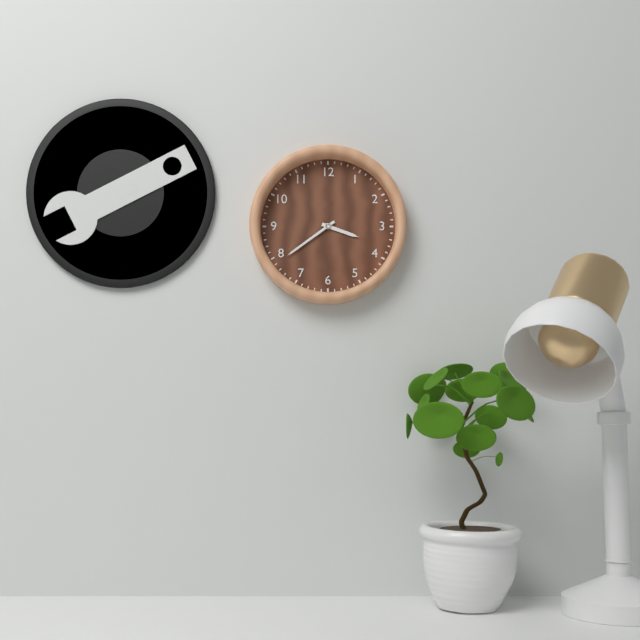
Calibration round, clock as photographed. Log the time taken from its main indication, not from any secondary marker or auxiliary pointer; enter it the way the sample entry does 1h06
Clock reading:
3h39
